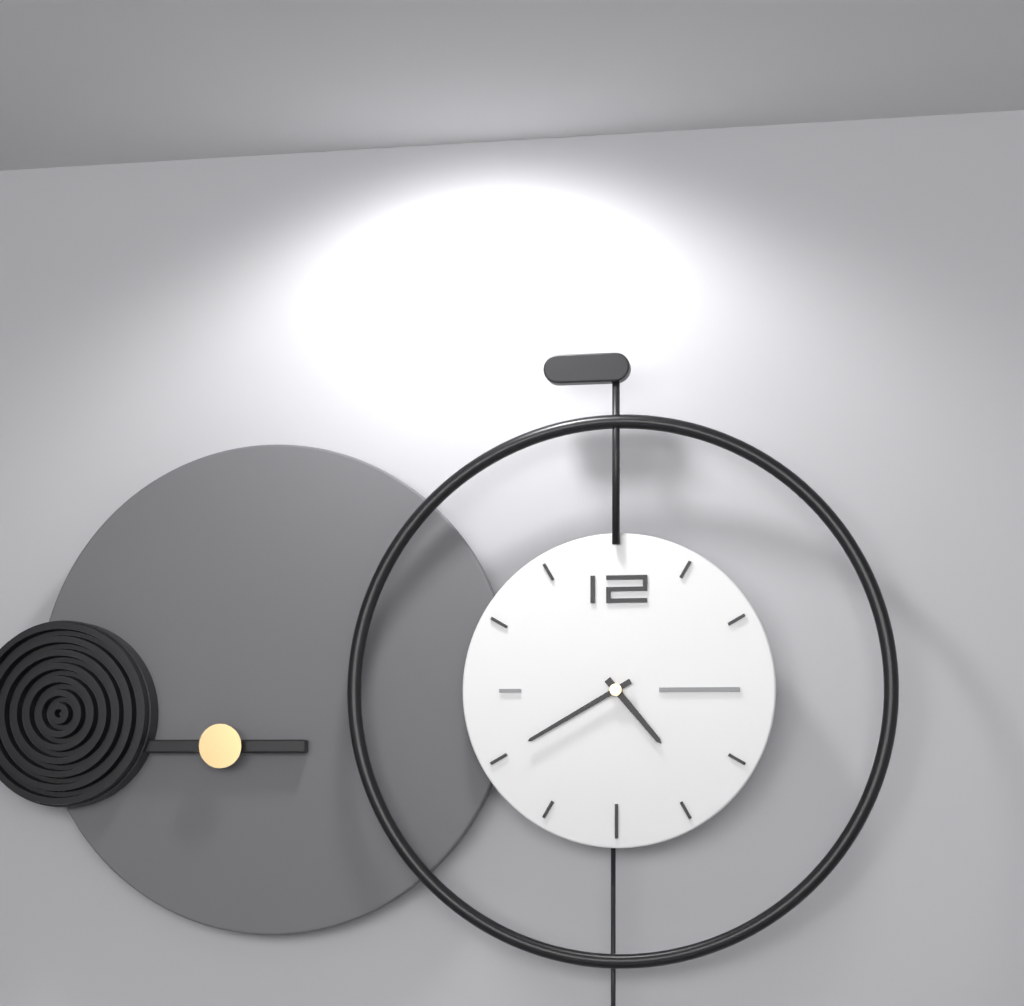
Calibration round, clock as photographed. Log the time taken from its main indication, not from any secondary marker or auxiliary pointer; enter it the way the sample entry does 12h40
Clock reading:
4h40
